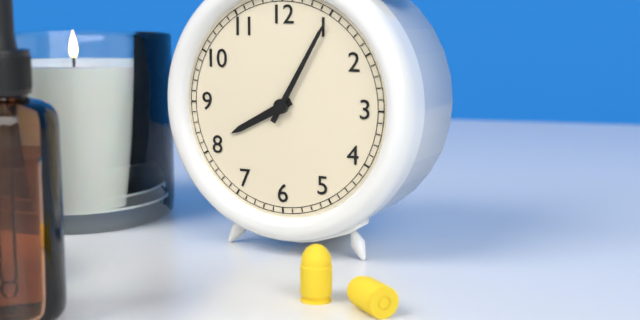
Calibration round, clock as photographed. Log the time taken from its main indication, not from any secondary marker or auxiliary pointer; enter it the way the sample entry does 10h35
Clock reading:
8h05
